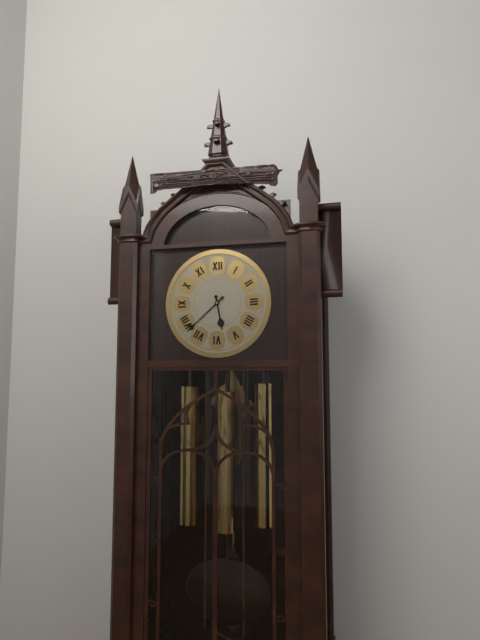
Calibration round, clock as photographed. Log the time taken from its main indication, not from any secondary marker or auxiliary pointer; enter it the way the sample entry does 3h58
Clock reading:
5h38
